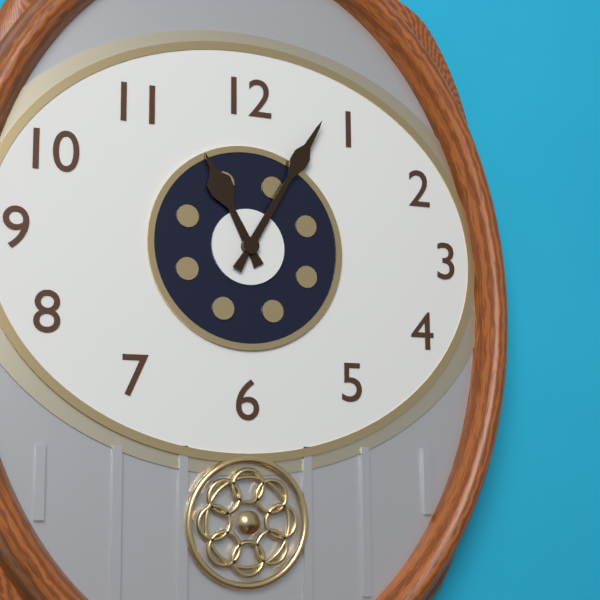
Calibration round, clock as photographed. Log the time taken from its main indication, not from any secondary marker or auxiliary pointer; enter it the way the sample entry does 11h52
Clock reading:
11h05
